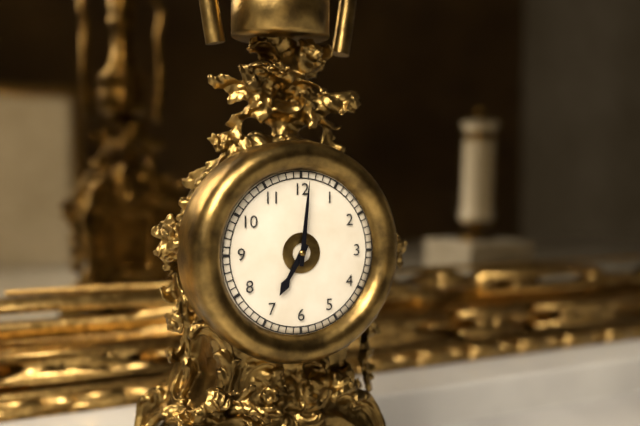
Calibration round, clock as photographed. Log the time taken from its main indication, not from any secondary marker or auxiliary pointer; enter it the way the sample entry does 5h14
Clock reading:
7h01
